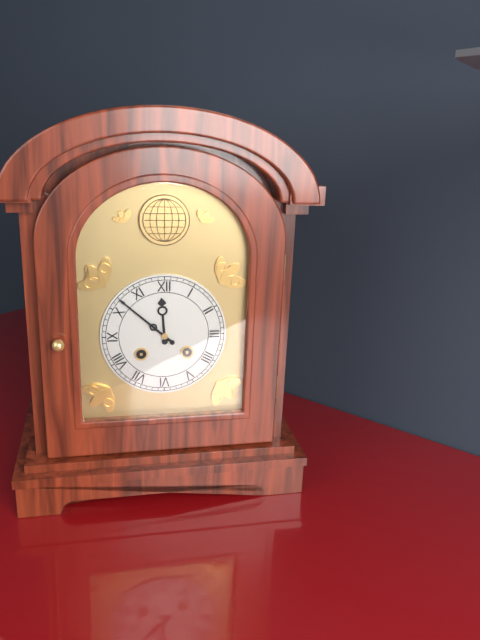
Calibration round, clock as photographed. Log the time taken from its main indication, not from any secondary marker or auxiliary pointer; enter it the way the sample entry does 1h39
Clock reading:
11h52
